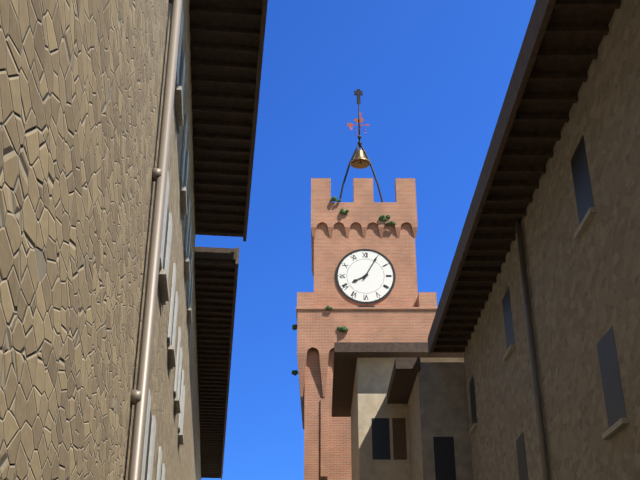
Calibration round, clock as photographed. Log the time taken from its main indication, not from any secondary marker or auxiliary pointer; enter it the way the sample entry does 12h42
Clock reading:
8h05
